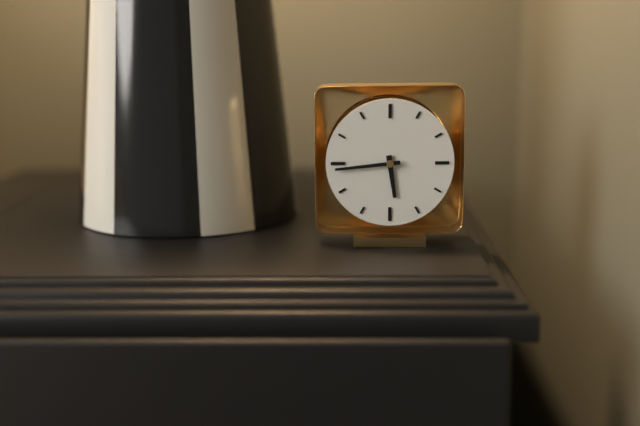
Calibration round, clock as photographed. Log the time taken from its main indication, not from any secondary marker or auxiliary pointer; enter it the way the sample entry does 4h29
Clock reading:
5h44
